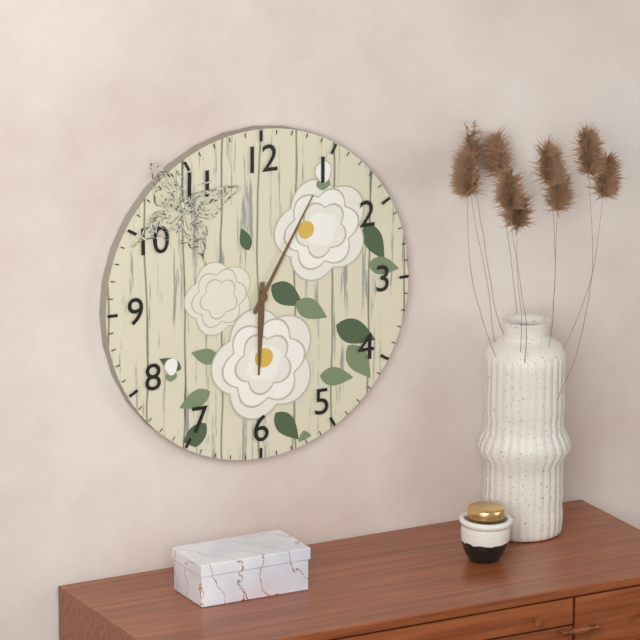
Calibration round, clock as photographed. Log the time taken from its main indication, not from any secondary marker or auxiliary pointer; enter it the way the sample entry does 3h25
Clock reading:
6h05
